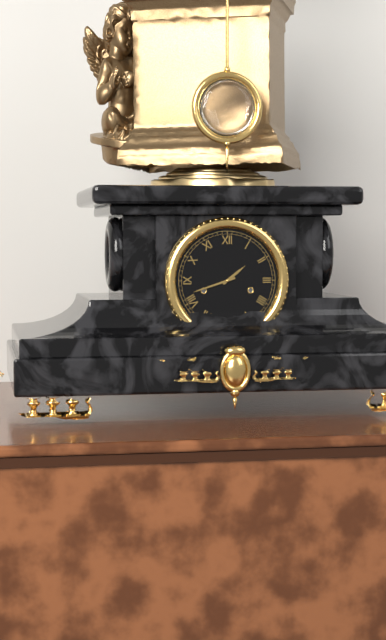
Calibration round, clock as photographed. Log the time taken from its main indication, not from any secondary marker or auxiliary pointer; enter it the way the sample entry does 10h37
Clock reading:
1h42
